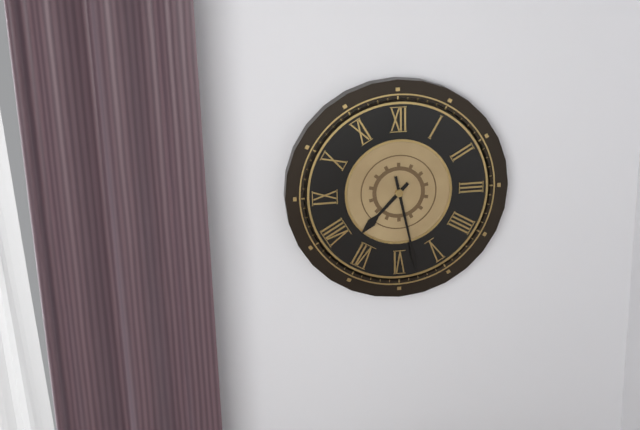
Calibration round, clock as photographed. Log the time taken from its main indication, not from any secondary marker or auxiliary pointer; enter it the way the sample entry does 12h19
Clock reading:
7h28
